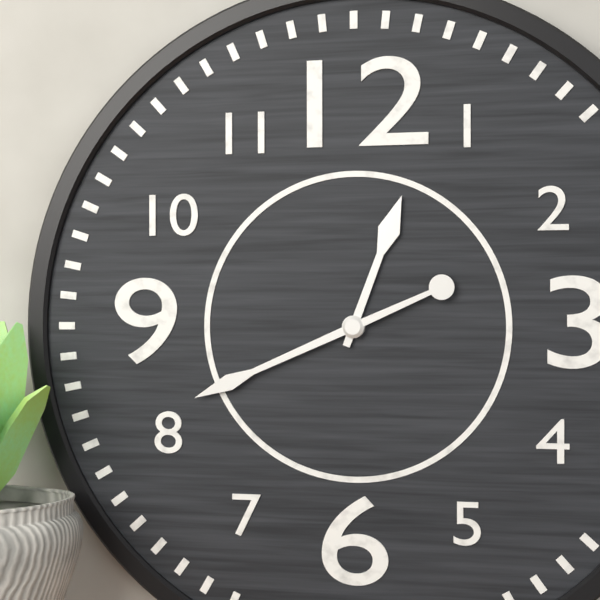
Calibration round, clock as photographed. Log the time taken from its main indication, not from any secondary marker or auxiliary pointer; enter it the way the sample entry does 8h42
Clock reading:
12h41
